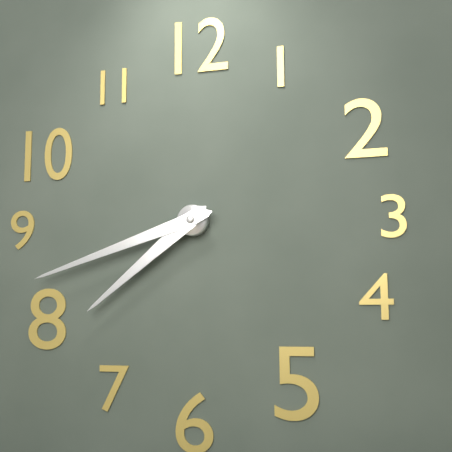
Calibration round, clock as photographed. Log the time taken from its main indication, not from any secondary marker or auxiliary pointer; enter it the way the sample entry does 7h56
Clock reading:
7h42
